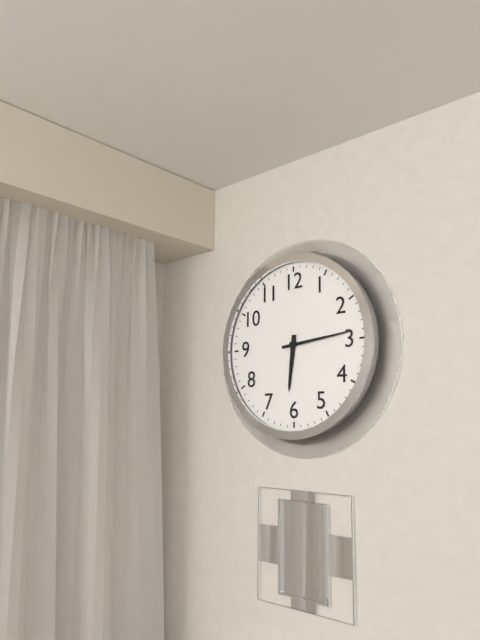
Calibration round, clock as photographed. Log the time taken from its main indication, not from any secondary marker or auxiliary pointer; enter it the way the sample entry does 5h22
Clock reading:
6h14
